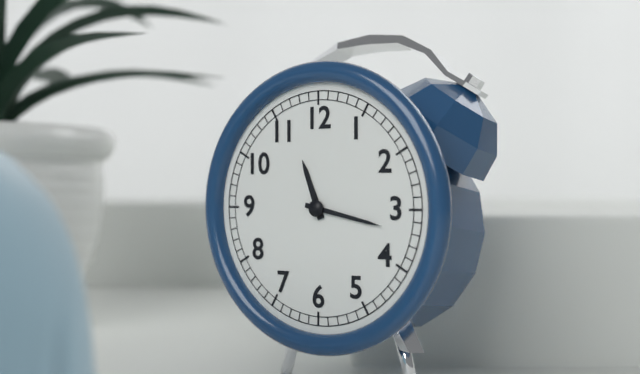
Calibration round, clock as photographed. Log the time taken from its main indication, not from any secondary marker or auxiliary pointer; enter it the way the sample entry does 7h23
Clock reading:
11h17
